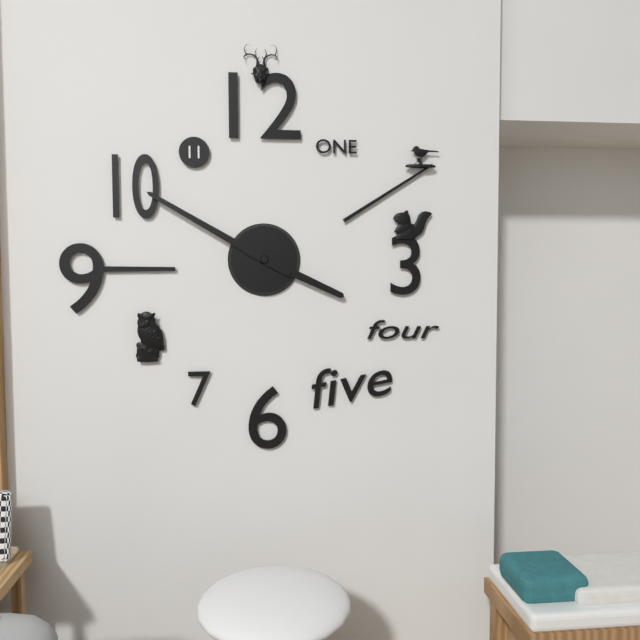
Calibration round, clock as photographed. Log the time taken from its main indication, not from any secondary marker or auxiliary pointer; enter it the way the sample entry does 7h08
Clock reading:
3h50
